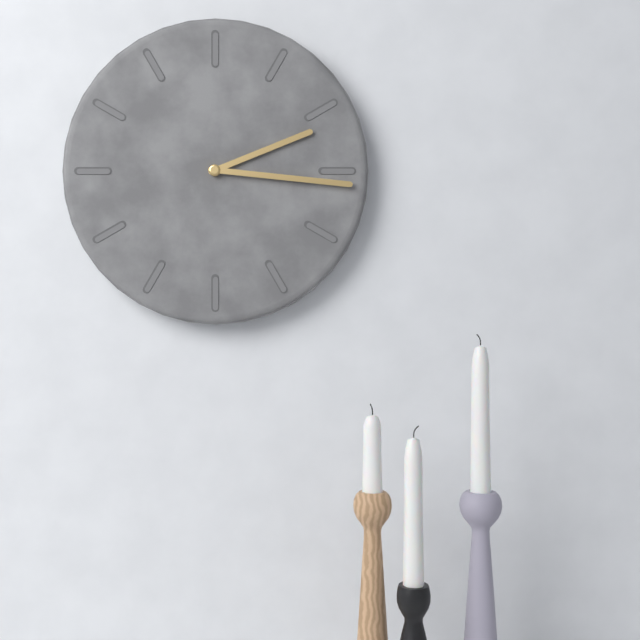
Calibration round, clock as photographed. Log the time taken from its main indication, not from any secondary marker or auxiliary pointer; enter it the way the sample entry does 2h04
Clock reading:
2h16
